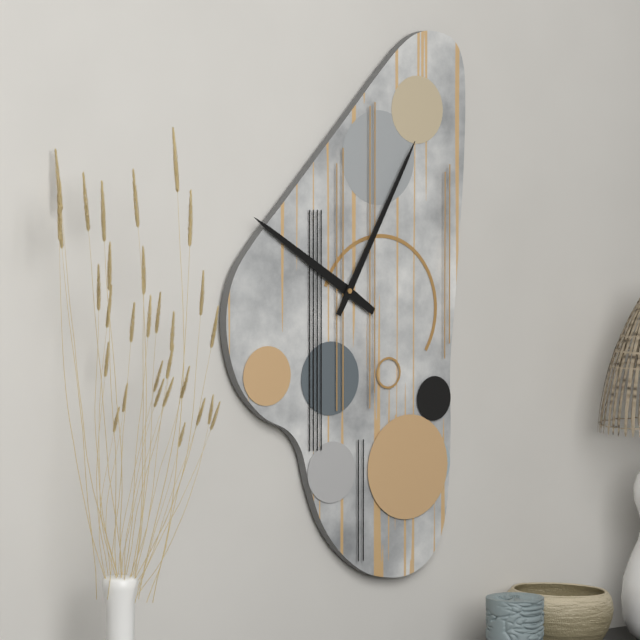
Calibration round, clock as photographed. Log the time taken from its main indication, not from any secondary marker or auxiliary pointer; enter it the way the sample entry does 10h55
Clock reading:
10h05
